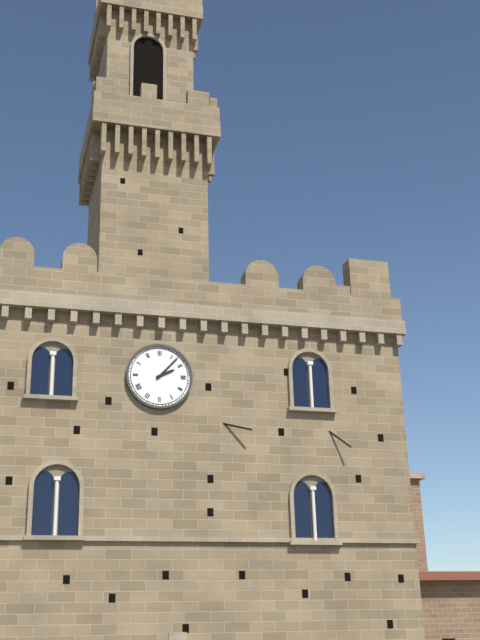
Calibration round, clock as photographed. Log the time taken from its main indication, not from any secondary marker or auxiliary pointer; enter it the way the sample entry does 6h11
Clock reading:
2h07
